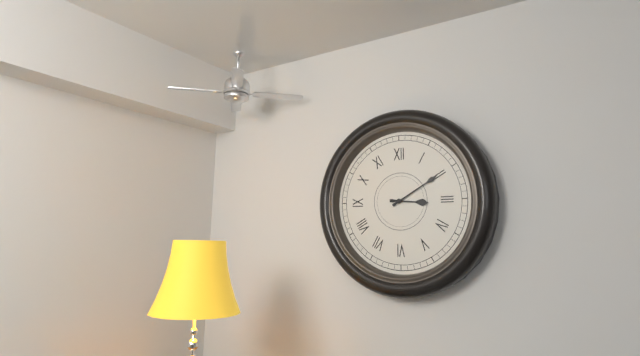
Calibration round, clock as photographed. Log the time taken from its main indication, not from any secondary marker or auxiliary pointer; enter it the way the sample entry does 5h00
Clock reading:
3h10
